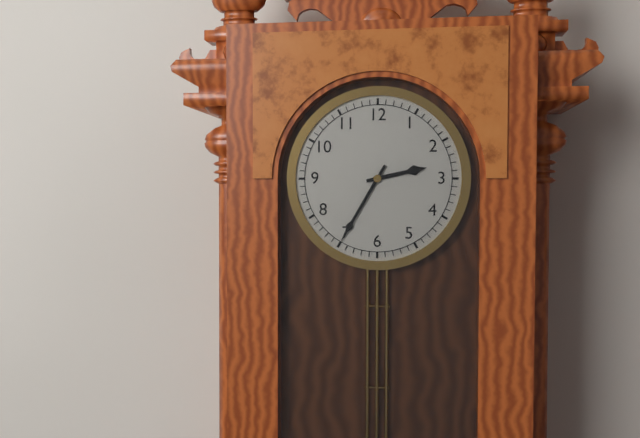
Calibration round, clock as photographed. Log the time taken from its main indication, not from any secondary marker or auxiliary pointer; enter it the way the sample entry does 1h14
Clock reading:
2h35
